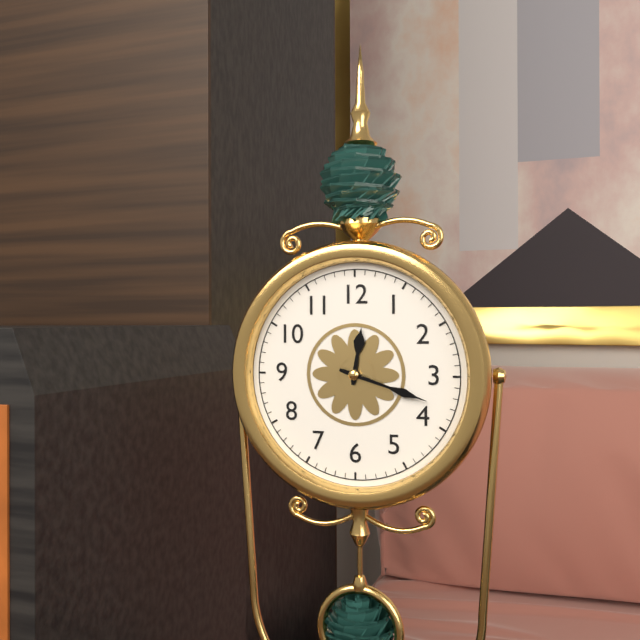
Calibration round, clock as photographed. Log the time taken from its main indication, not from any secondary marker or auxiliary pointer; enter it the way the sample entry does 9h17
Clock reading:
12h18
